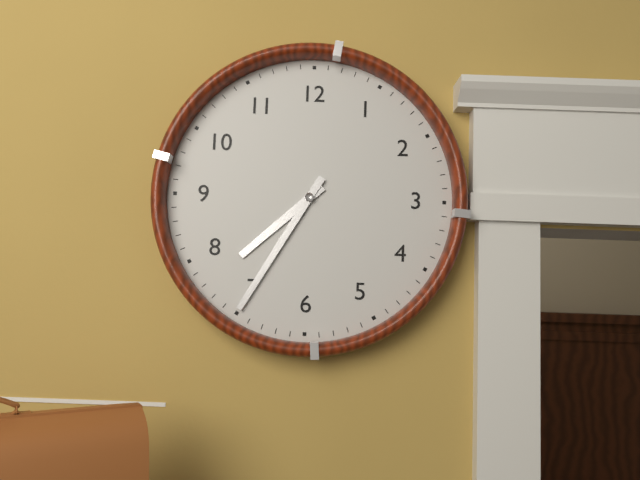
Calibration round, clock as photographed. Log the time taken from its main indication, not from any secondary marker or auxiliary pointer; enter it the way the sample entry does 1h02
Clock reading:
7h35
